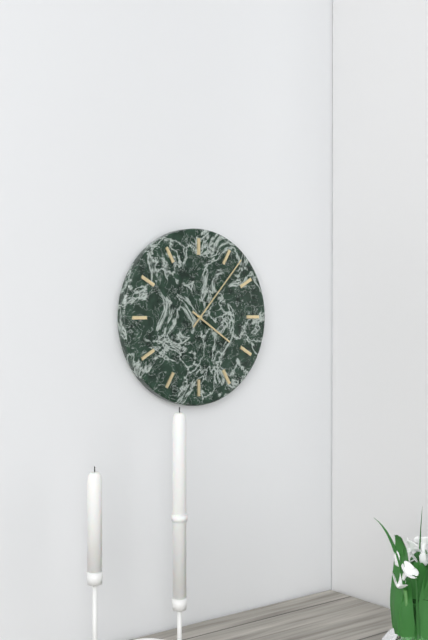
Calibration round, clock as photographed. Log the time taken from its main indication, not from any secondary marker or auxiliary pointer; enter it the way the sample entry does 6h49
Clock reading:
4h07
